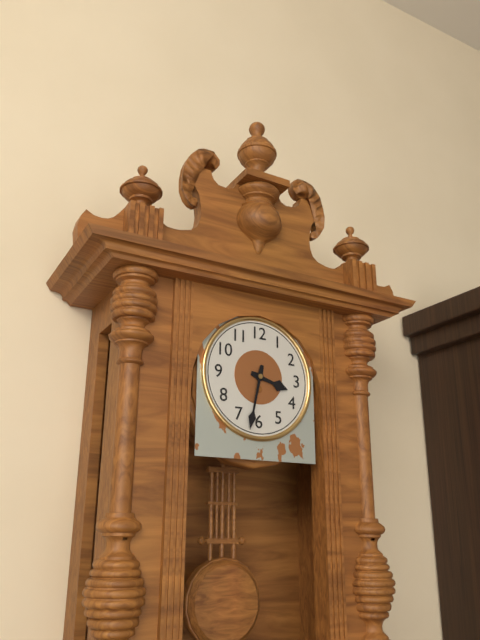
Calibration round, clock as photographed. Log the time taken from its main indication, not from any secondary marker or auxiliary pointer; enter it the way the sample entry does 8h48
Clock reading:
3h32
